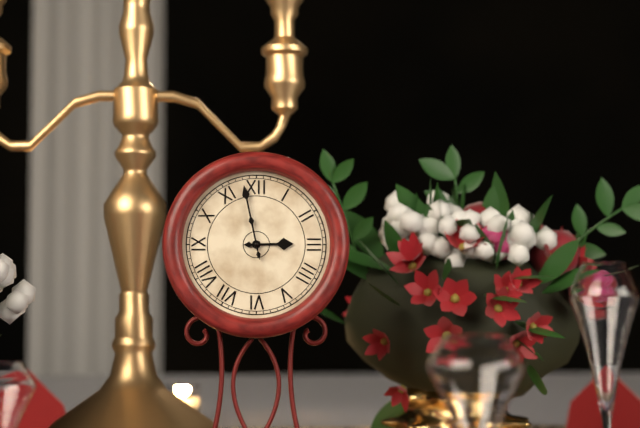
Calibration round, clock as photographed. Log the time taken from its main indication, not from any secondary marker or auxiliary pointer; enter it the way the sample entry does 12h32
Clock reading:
2h58
